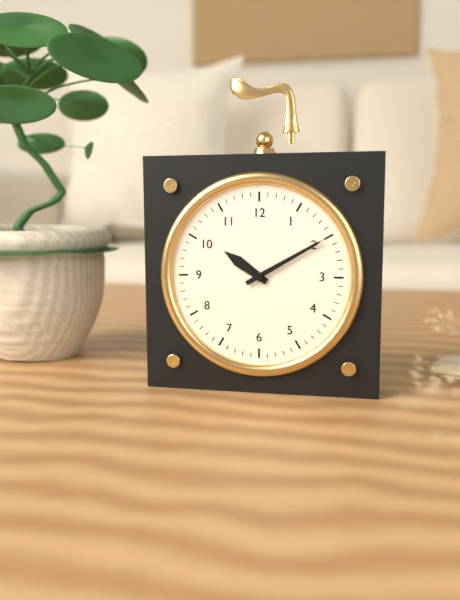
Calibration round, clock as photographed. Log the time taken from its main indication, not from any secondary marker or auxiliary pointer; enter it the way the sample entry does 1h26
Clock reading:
10h10
